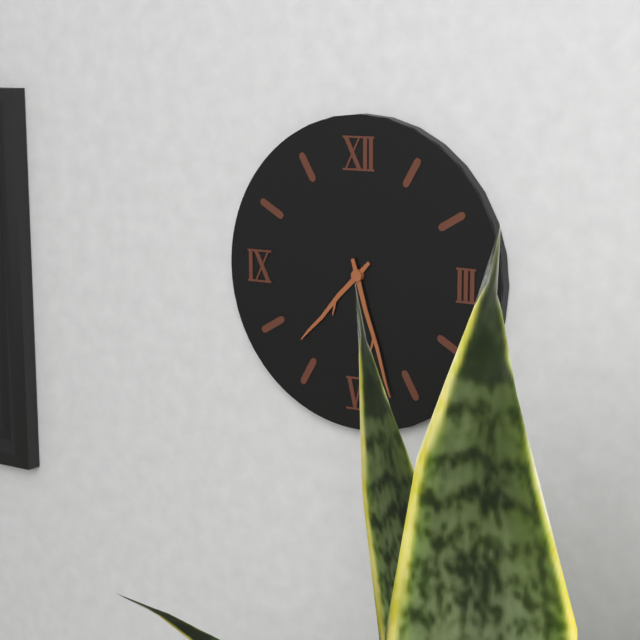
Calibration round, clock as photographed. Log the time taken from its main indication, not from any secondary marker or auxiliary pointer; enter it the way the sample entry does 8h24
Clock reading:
7h27
